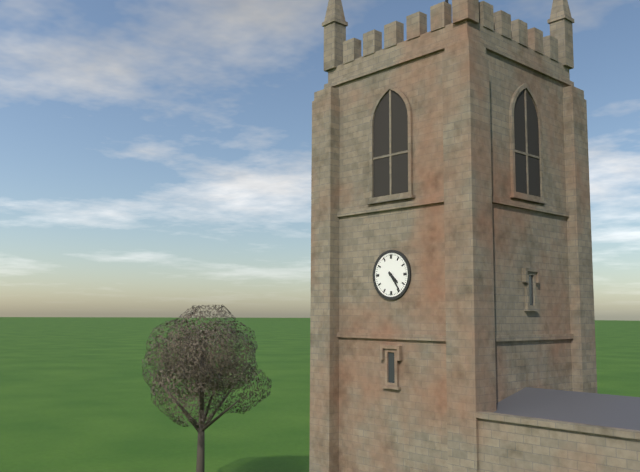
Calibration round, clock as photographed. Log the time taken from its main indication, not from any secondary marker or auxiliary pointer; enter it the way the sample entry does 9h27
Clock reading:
4h24
